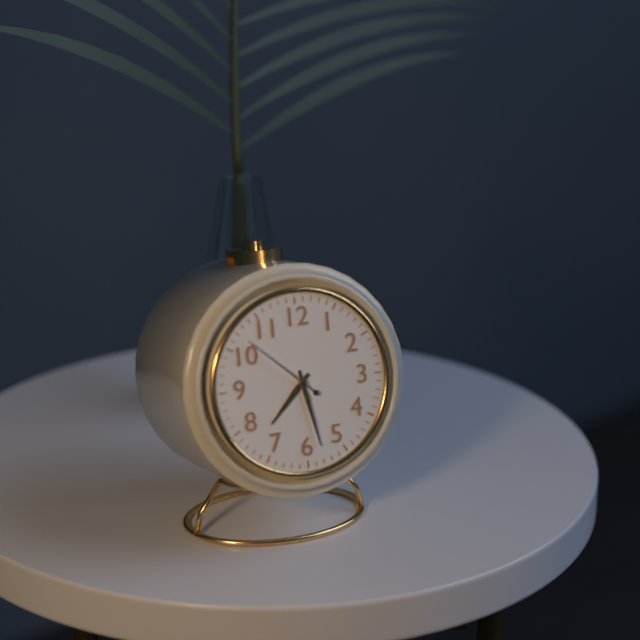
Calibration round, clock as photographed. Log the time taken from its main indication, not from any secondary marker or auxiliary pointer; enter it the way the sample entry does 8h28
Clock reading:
7h28
